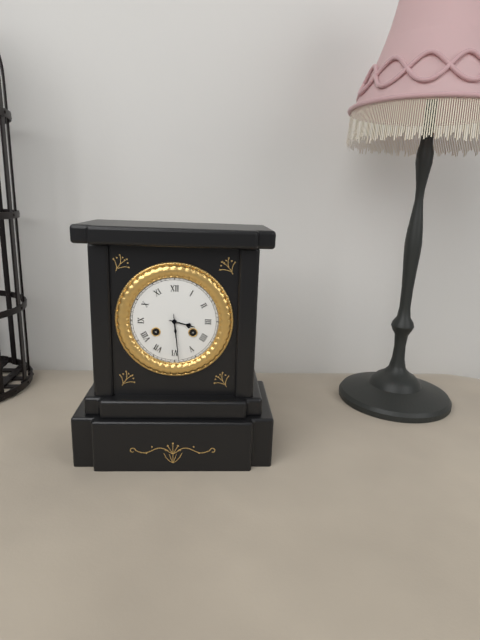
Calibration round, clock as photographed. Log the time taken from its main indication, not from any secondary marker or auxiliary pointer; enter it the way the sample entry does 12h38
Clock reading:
3h29
